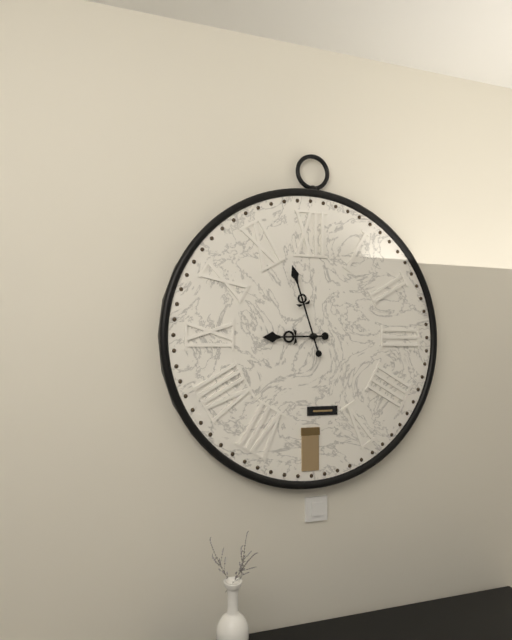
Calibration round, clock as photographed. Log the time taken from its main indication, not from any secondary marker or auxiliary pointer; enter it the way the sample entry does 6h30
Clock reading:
8h57
